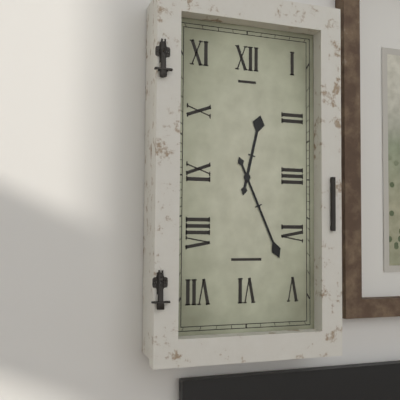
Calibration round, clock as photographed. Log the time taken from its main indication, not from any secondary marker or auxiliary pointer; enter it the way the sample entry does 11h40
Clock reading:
12h26
